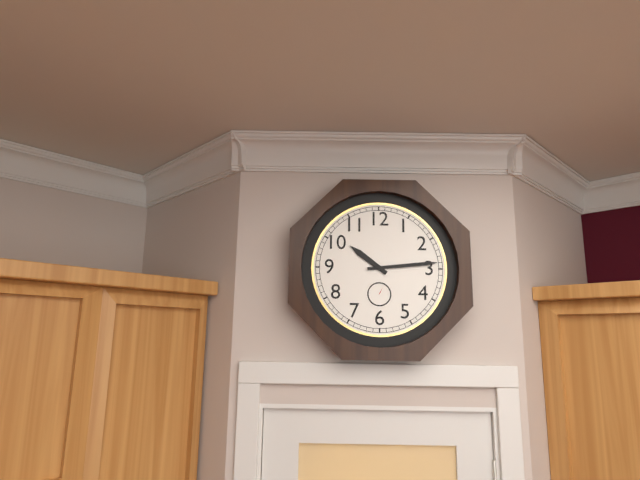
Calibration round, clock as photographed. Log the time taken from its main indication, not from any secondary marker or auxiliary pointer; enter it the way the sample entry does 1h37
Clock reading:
10h14
